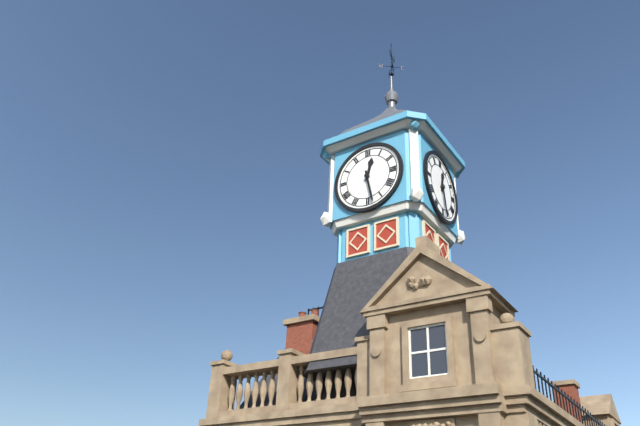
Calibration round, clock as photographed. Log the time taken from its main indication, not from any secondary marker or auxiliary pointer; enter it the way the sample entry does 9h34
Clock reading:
12h28
